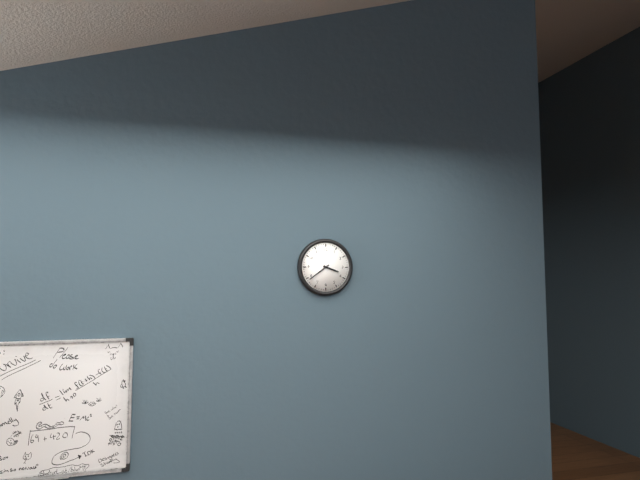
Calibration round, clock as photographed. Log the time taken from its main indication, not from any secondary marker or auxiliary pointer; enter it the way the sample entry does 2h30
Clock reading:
3h39
